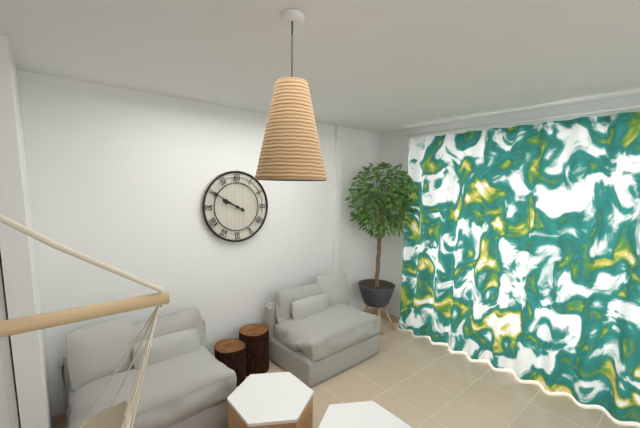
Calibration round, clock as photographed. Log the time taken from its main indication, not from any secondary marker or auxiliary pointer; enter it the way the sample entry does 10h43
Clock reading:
9h50
